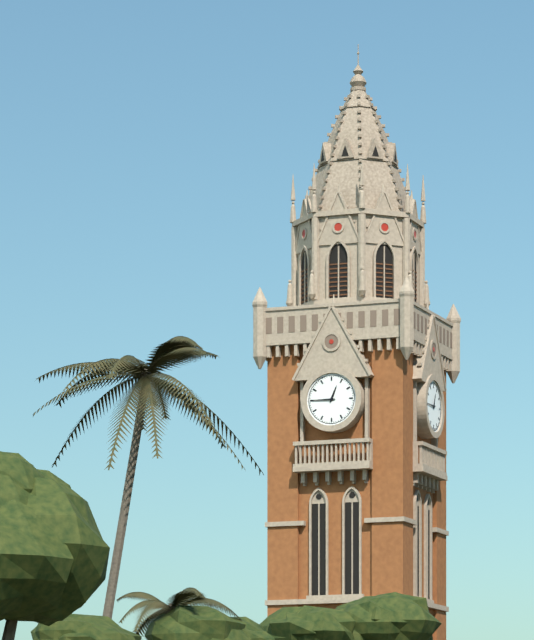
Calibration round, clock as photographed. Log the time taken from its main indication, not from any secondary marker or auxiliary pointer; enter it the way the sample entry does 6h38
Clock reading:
12h45
